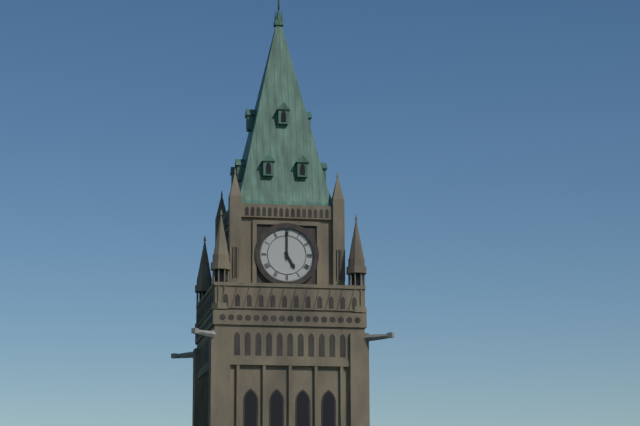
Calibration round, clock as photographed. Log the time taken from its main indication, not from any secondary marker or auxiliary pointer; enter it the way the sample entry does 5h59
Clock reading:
5h00
